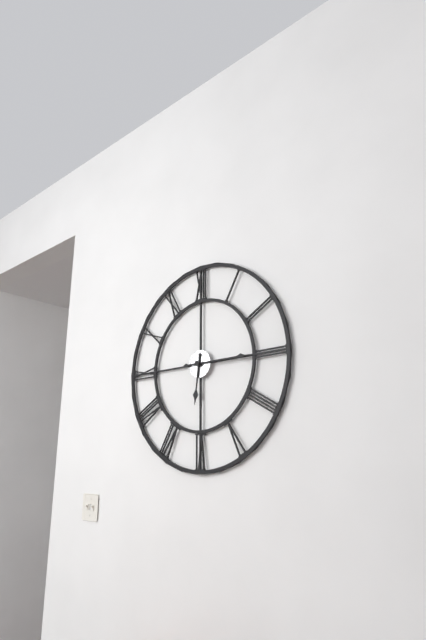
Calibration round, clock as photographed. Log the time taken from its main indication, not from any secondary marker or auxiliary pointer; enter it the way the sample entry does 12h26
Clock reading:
6h15
